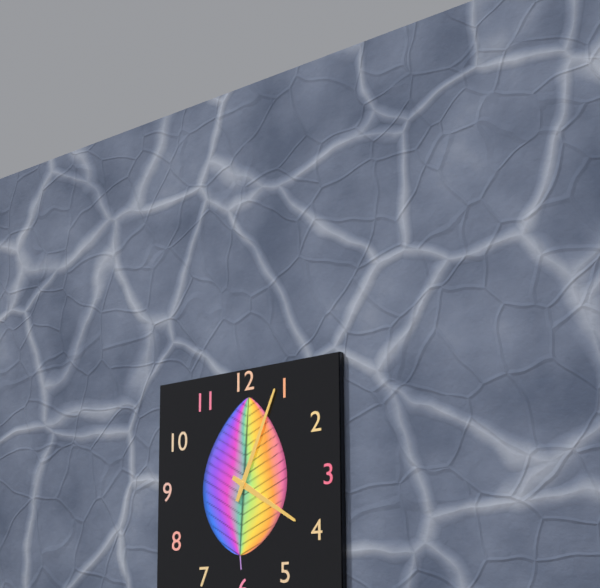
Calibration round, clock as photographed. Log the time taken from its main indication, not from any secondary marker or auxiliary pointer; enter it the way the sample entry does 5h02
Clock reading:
4h04
